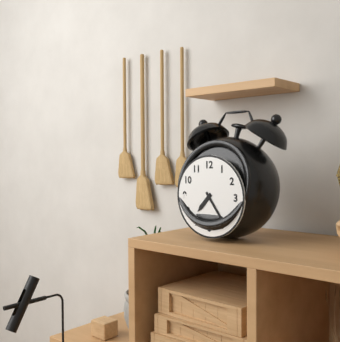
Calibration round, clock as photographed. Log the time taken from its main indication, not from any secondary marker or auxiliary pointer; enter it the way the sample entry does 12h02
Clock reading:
7h24
